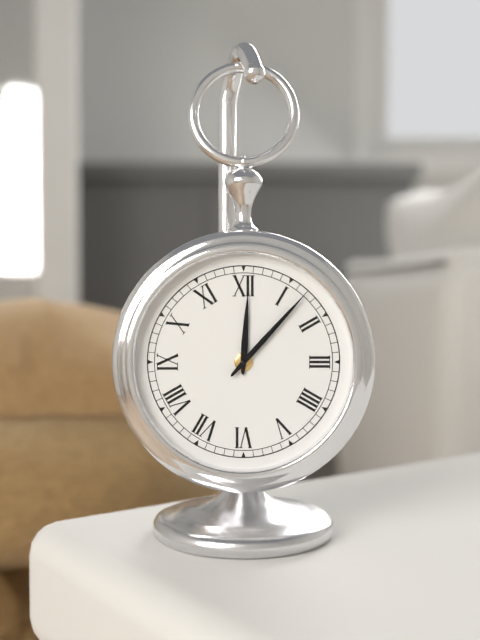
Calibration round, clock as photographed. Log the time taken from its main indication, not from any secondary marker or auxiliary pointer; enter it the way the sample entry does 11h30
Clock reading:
12h07
